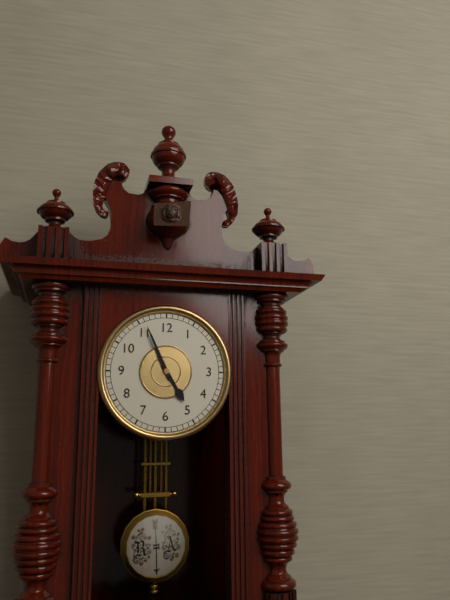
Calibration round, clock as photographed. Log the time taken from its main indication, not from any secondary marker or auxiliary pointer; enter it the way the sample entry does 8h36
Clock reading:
4h56
